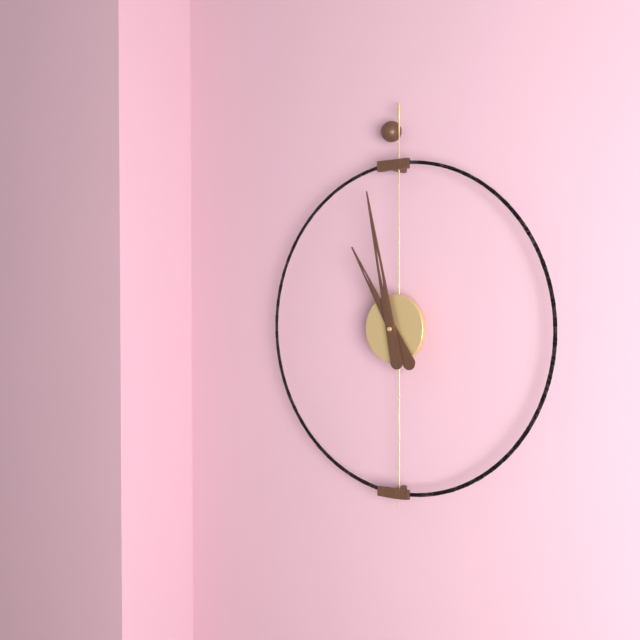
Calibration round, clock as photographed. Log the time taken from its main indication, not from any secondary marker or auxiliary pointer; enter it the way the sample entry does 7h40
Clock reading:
10h58
